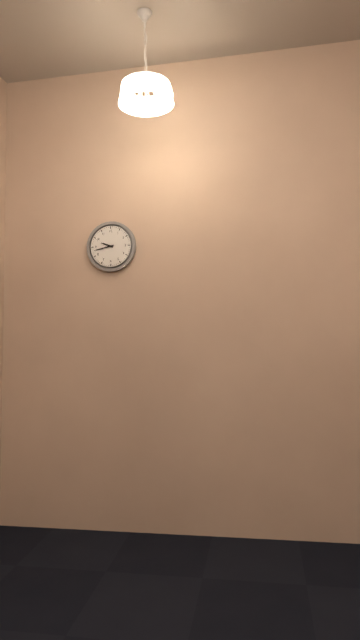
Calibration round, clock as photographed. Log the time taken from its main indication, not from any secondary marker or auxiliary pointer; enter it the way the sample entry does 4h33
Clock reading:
9h43
